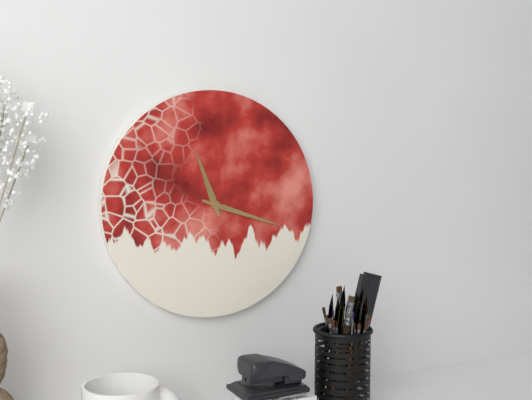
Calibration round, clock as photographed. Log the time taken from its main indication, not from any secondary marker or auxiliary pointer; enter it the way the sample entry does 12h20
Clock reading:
11h18
